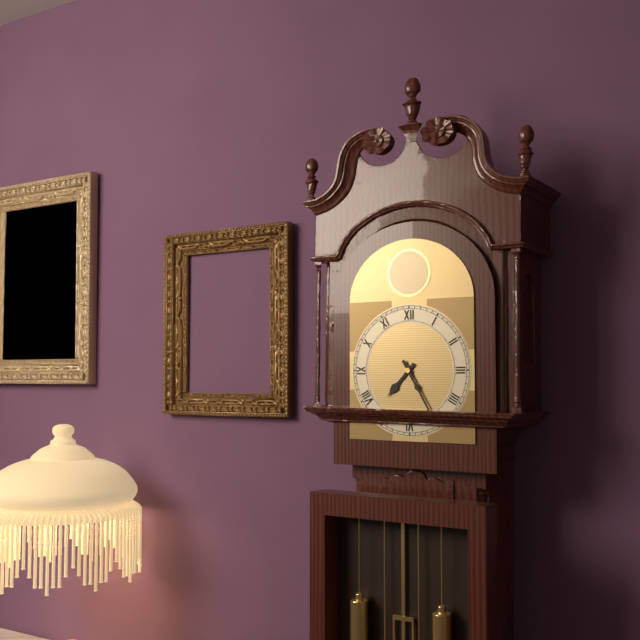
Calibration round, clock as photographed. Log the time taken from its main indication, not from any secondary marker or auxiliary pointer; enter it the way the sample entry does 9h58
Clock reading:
7h25
